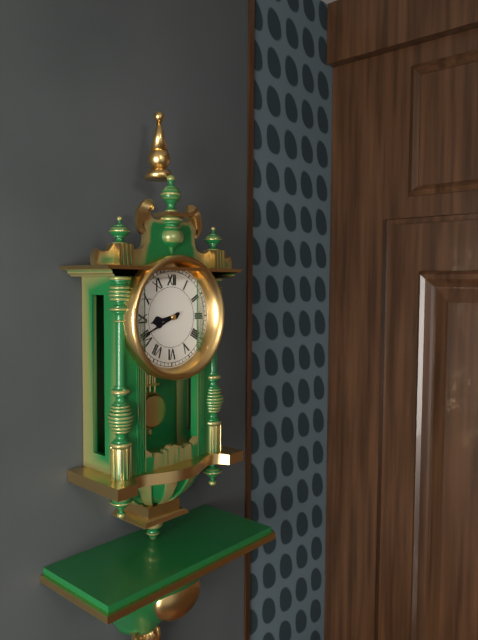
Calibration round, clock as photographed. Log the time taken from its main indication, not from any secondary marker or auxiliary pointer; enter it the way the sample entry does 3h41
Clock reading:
8h41
